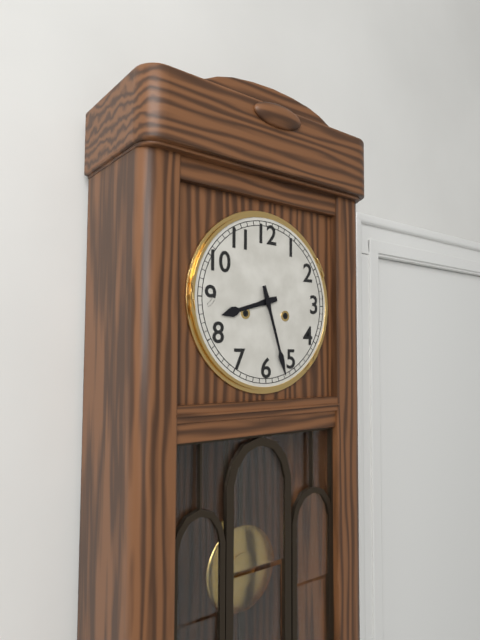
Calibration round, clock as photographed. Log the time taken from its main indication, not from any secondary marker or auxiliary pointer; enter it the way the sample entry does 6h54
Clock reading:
8h27
